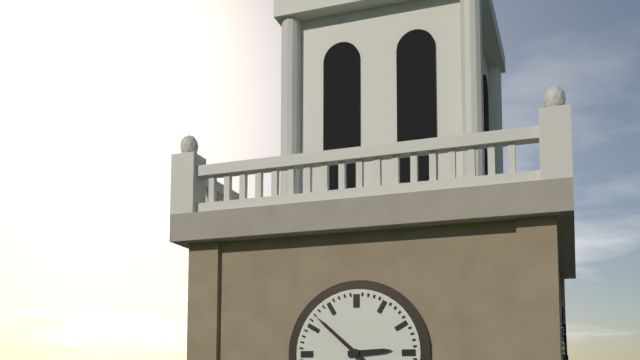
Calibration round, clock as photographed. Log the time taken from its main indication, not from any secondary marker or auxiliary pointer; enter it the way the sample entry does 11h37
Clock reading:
2h52
